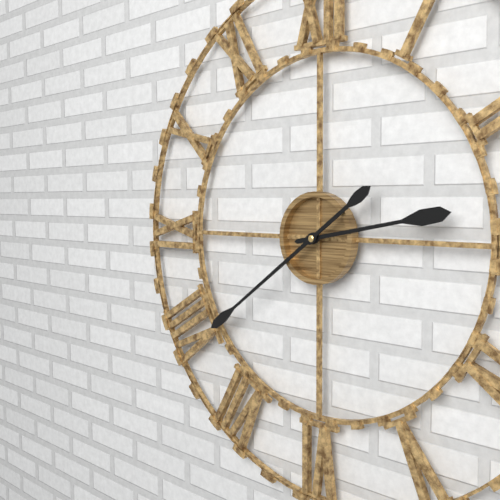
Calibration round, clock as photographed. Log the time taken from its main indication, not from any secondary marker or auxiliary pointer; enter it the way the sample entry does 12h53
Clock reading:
2h39
